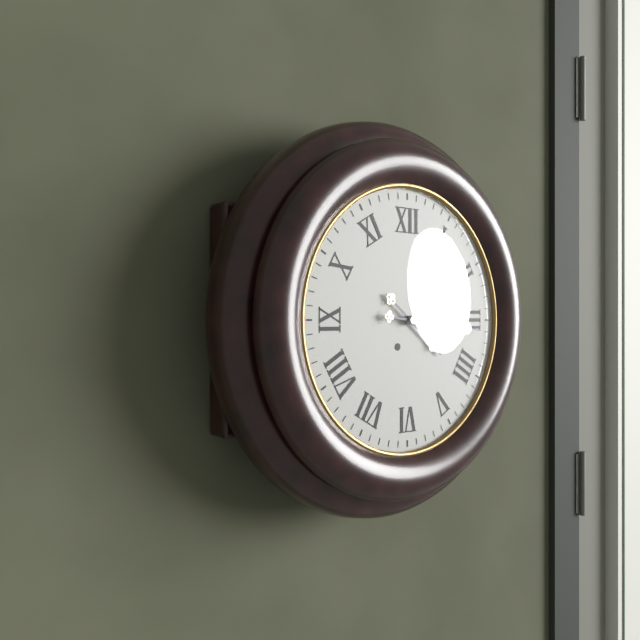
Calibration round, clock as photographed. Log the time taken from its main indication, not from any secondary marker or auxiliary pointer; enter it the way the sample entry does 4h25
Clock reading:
4h16
